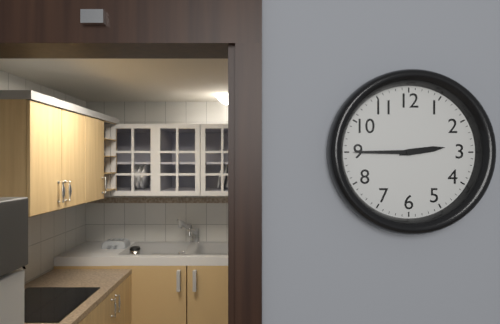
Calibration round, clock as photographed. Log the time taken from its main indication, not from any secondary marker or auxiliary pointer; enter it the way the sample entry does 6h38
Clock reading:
2h45
